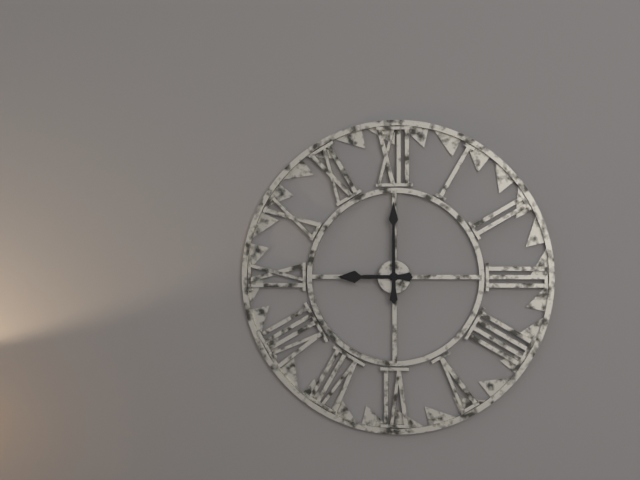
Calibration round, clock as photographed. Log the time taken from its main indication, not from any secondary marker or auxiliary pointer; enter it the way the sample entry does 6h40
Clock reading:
9h00
